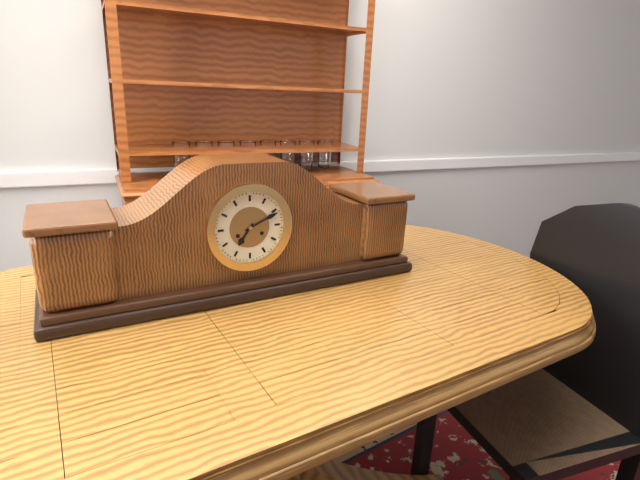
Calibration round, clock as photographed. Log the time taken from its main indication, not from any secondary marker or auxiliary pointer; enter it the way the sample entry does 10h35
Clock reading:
7h11
